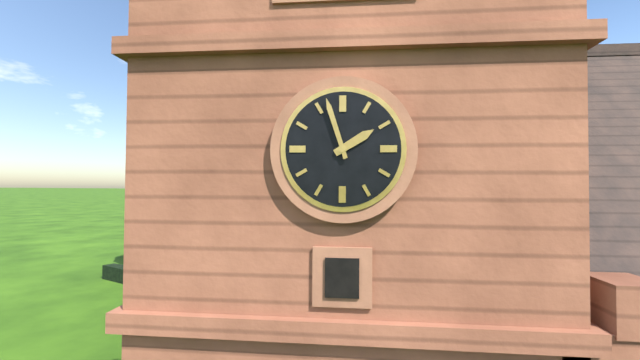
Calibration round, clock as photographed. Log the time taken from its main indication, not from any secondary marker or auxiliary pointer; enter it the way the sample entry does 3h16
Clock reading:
1h57
